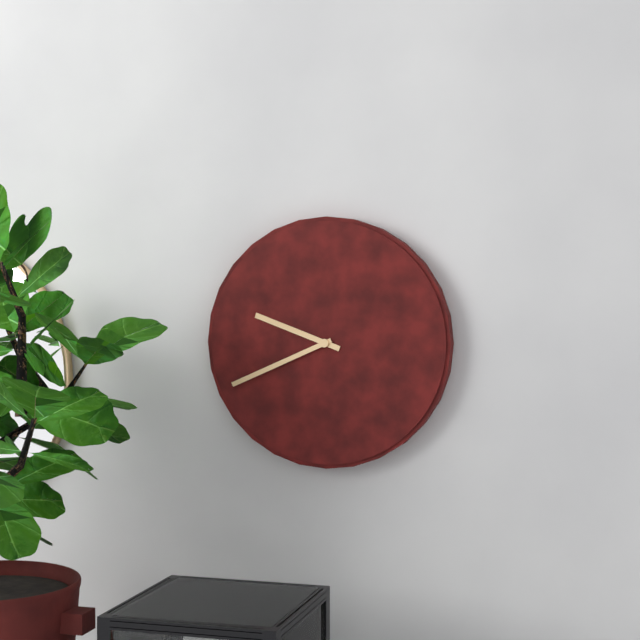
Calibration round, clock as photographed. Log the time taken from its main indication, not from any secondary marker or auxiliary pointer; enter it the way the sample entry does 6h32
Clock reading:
9h41
